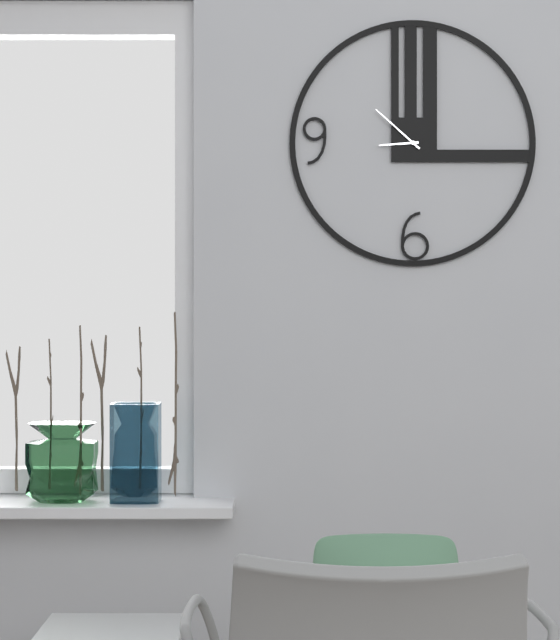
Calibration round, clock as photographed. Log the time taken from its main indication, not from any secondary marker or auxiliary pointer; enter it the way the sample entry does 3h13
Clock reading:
8h52
